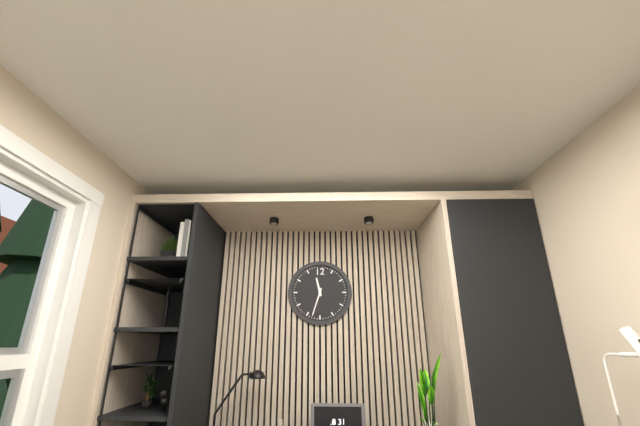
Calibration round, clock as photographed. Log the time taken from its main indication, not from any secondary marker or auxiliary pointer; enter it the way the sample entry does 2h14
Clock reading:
11h33
